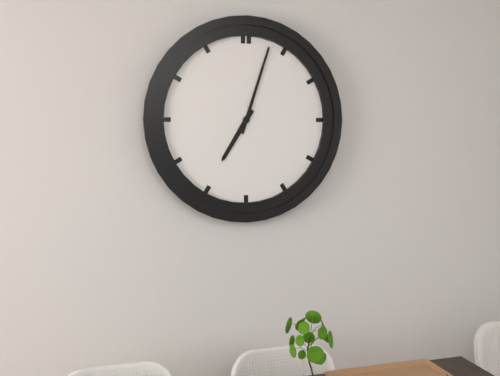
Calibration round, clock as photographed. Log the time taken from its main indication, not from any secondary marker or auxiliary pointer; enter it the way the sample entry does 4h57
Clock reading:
7h03
